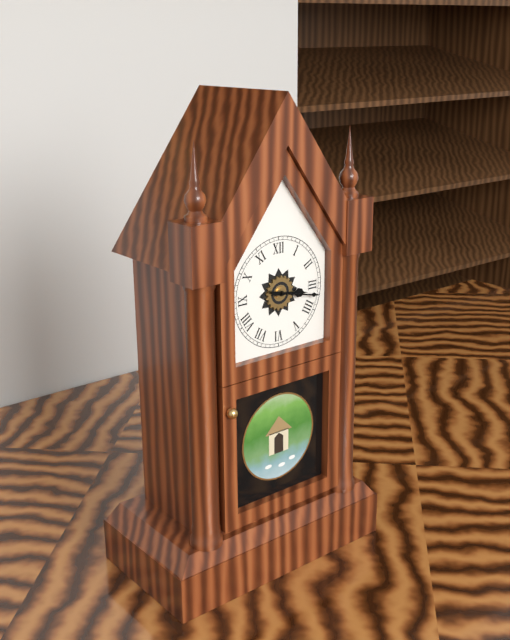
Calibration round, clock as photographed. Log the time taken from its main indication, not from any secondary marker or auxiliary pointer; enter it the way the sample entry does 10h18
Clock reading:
3h17
